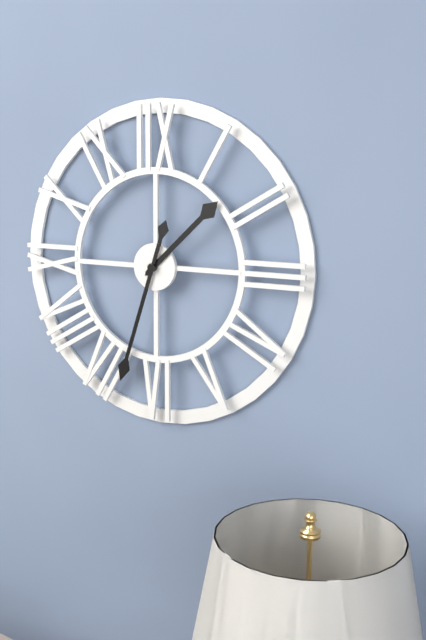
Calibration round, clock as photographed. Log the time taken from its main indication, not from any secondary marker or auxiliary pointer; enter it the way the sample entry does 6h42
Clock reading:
1h33
